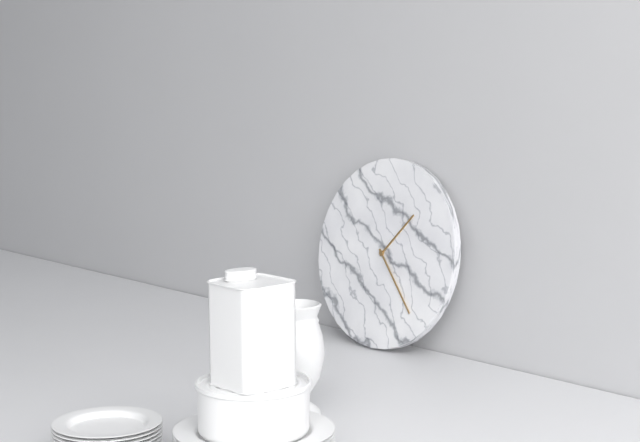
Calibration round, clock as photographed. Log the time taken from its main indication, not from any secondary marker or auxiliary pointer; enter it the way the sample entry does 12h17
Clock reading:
1h23
